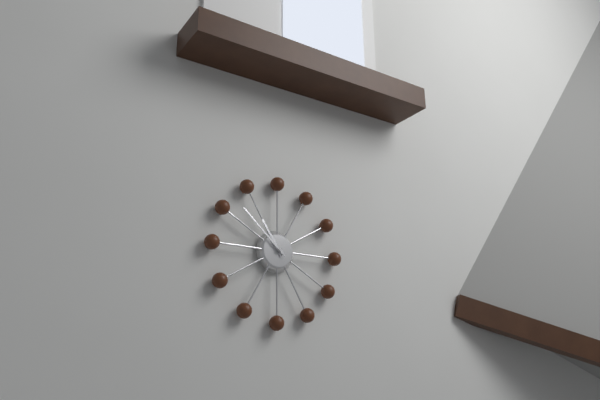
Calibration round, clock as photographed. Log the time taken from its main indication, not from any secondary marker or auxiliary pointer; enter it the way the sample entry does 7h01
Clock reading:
10h52
